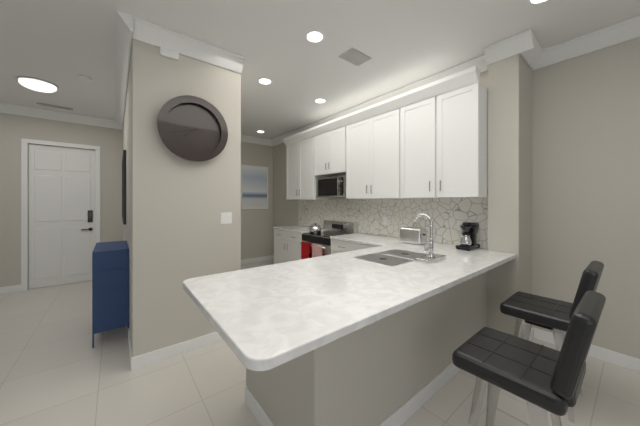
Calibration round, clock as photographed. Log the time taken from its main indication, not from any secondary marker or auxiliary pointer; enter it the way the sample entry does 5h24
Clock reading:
7h42
